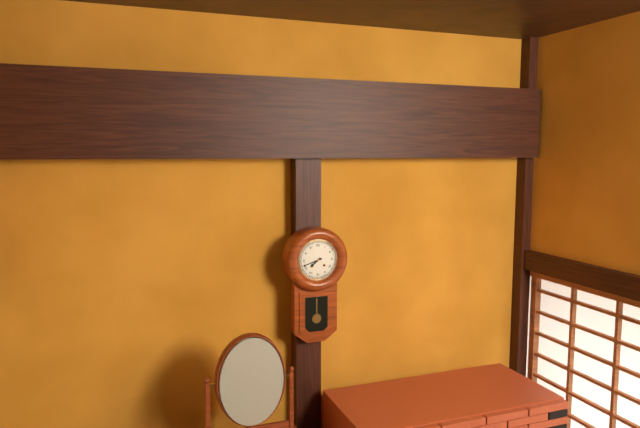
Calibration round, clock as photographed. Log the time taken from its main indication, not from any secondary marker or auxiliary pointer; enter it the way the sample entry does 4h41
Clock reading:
7h42
